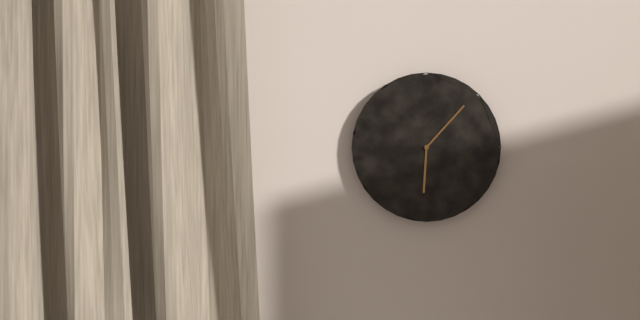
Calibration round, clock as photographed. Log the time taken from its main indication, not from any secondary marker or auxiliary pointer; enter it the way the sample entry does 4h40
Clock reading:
6h07
